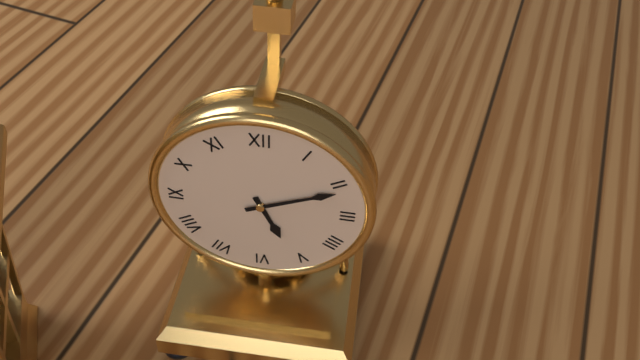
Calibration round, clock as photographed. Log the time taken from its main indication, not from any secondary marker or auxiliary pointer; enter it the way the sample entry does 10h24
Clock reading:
5h11
